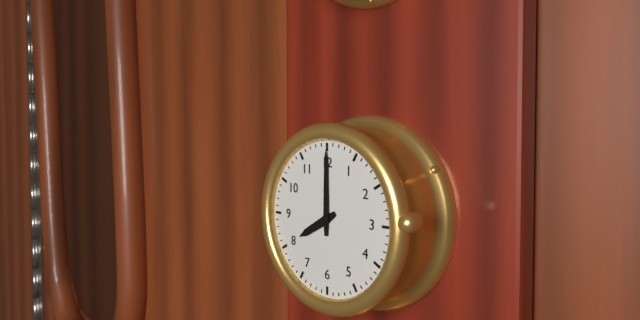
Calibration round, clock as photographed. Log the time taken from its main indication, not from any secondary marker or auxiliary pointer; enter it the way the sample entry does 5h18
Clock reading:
8h00
